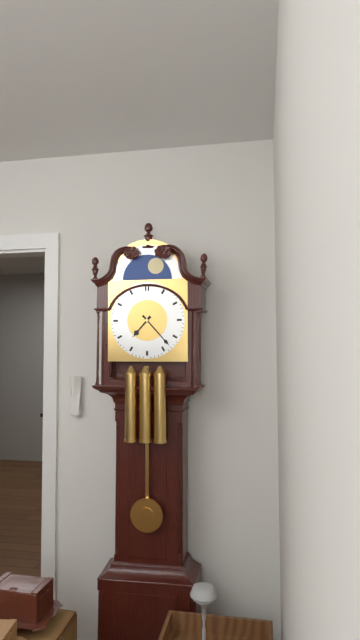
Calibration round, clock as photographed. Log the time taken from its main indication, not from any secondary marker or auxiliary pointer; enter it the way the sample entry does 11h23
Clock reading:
7h23
